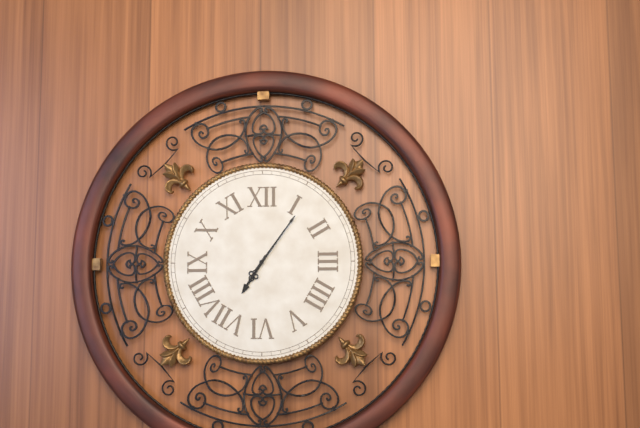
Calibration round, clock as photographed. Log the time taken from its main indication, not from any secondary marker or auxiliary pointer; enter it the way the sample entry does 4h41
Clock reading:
7h06
